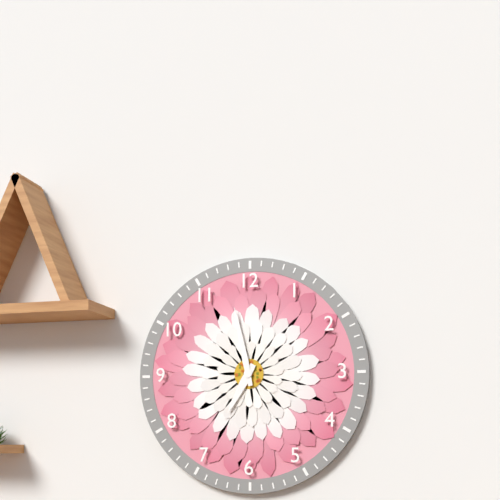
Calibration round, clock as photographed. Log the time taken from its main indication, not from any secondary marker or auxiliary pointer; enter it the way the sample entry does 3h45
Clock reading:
6h58
